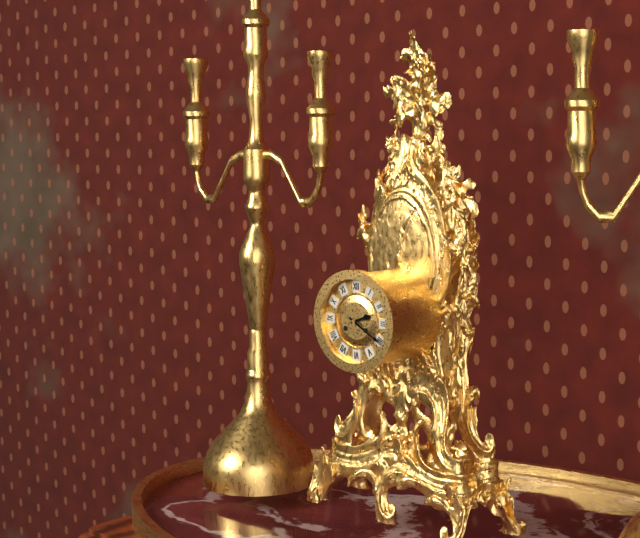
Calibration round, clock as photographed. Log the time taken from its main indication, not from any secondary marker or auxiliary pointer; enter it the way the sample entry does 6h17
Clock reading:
2h20
